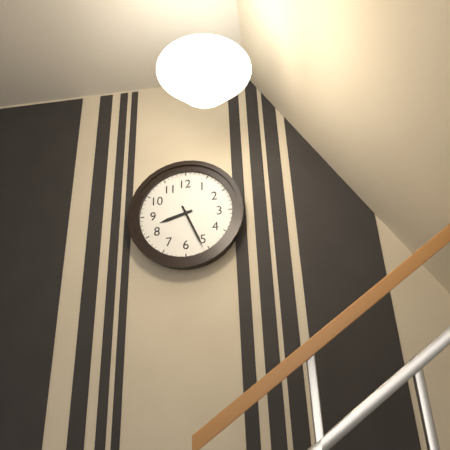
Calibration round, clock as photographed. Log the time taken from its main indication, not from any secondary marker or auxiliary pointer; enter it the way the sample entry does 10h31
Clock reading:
8h26
